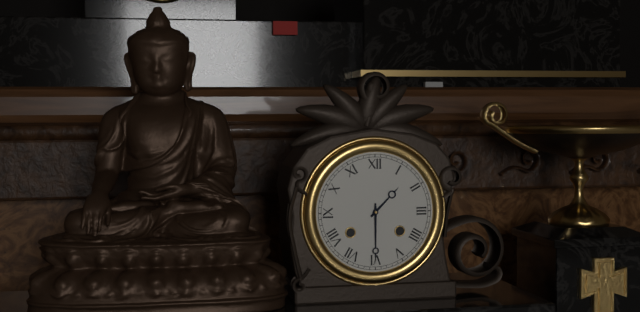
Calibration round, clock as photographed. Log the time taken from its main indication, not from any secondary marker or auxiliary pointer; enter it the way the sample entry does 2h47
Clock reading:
1h30
